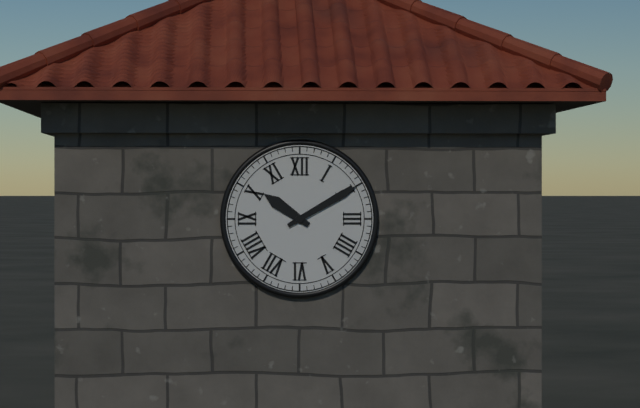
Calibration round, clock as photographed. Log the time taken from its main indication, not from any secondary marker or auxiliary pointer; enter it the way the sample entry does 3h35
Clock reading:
10h10
